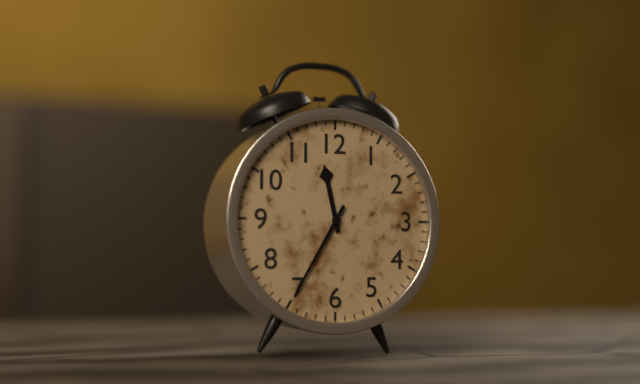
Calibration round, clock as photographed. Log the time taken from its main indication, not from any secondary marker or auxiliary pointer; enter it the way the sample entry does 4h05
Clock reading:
11h35
